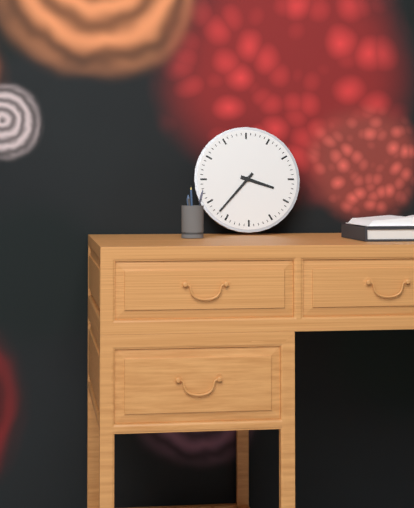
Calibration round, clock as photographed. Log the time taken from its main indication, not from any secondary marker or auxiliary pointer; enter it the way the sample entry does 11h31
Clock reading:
3h37
